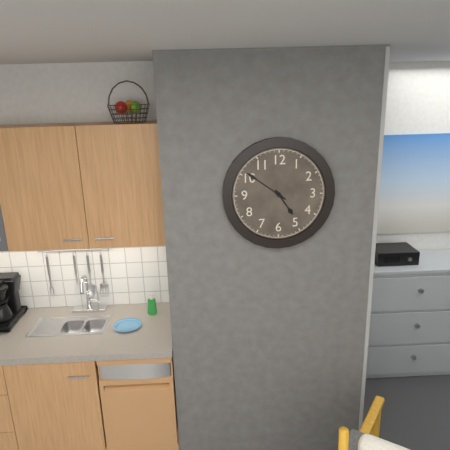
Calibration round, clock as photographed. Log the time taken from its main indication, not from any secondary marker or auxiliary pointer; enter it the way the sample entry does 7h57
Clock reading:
4h51
